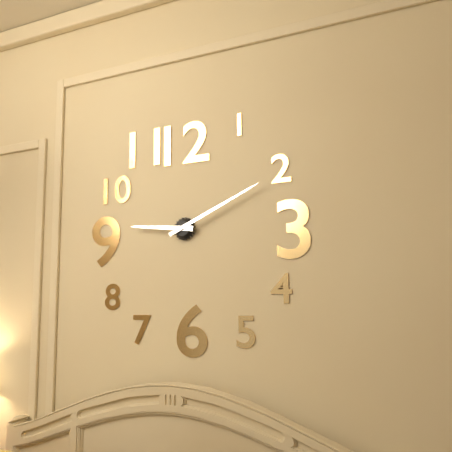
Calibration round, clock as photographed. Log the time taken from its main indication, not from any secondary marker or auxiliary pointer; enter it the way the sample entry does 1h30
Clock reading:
9h11
